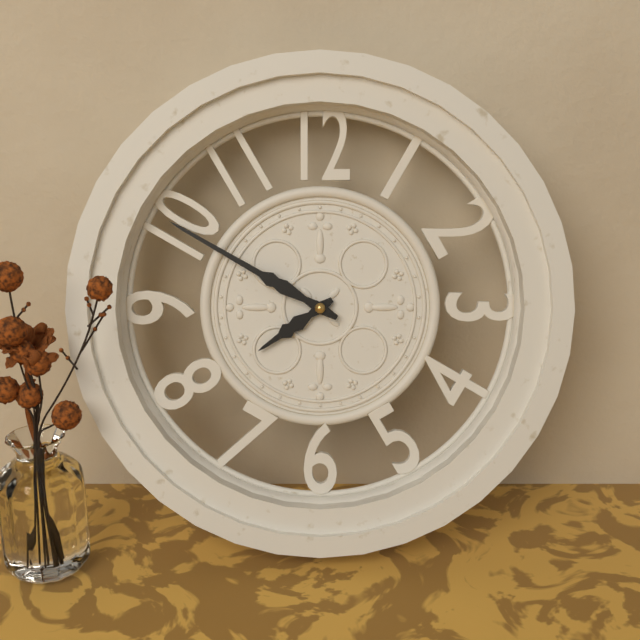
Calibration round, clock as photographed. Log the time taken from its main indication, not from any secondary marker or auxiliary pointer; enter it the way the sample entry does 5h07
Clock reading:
7h50
